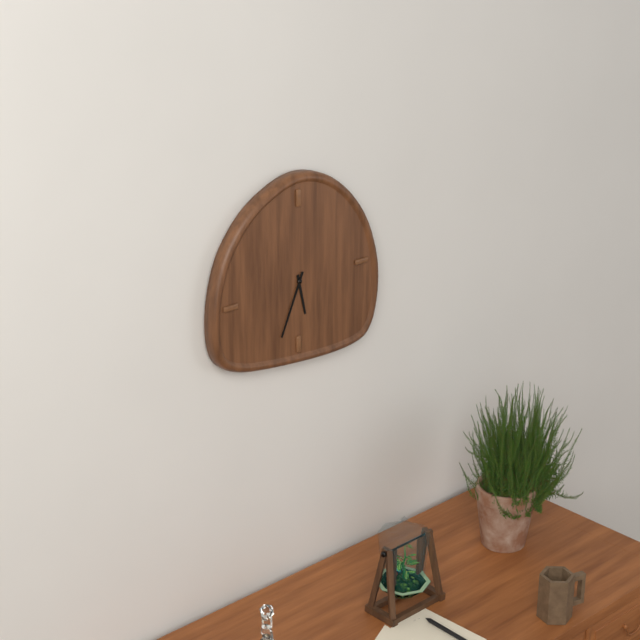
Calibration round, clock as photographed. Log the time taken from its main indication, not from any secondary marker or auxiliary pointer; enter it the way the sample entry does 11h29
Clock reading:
5h34
